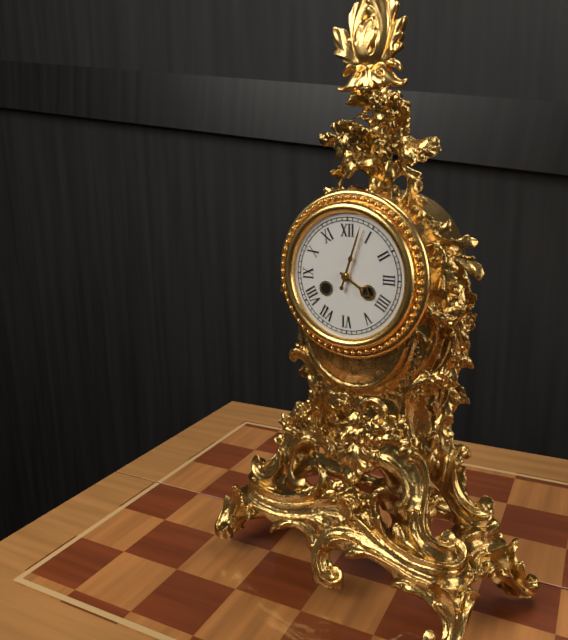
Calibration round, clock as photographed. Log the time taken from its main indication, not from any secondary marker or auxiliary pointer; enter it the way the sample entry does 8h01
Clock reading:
4h03
